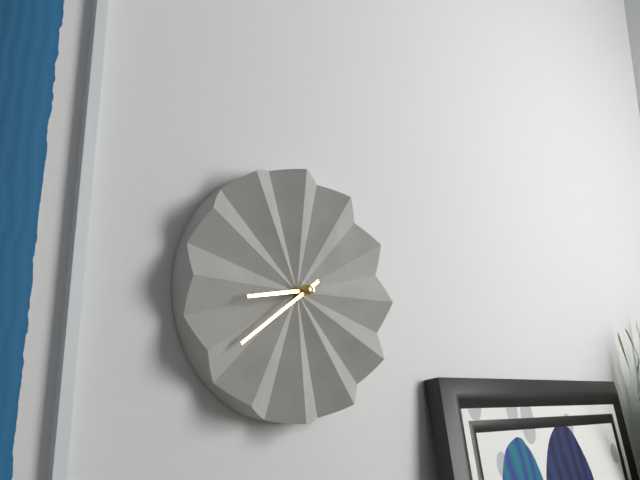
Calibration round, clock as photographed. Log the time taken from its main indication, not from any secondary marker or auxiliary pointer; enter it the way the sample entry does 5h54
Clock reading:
8h39
